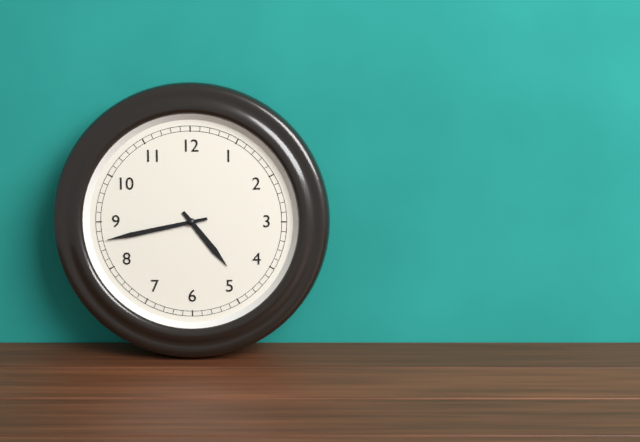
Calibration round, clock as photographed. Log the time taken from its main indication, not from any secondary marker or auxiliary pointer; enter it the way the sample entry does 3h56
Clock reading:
4h43
